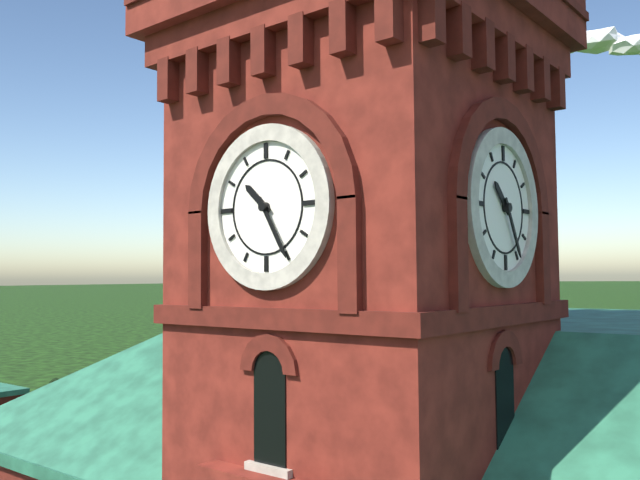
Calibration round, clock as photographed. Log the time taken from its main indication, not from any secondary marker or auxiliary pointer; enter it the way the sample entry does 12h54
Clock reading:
10h25
